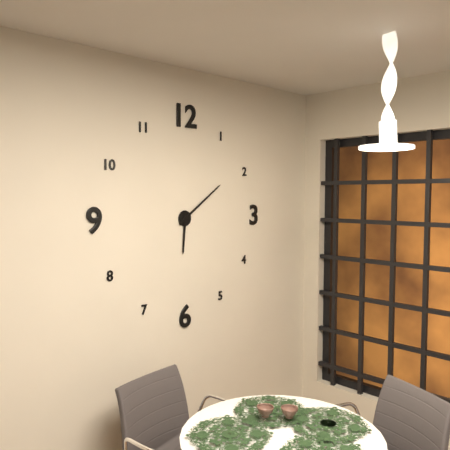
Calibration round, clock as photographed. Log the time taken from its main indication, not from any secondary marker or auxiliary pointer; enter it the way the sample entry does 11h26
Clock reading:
6h09
